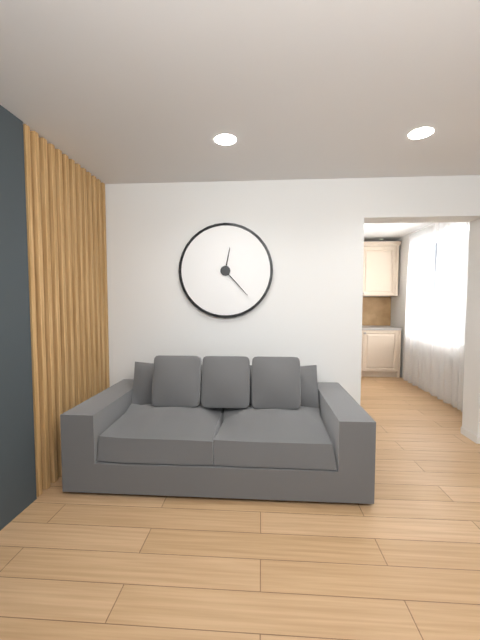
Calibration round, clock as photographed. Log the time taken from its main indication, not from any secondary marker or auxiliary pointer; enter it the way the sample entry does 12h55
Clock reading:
12h23
